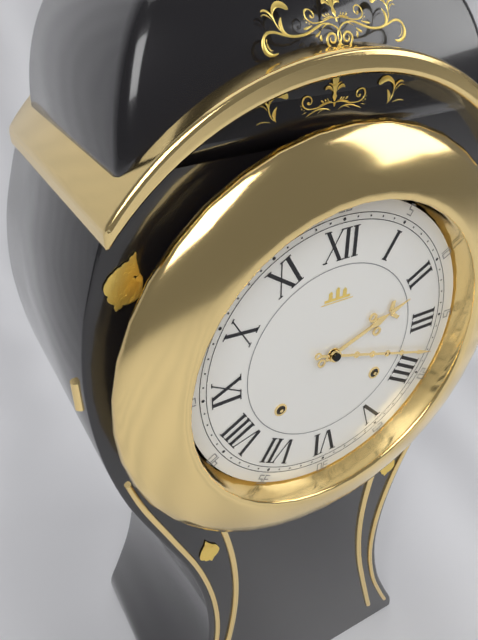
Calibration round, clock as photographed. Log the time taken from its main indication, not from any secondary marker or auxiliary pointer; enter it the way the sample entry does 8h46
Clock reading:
2h18
